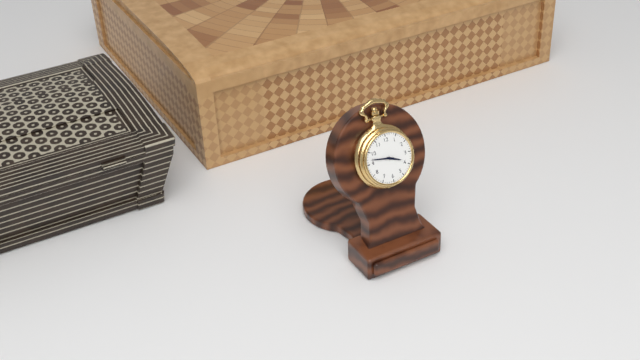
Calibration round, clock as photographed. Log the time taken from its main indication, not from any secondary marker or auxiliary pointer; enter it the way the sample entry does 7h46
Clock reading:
3h47
